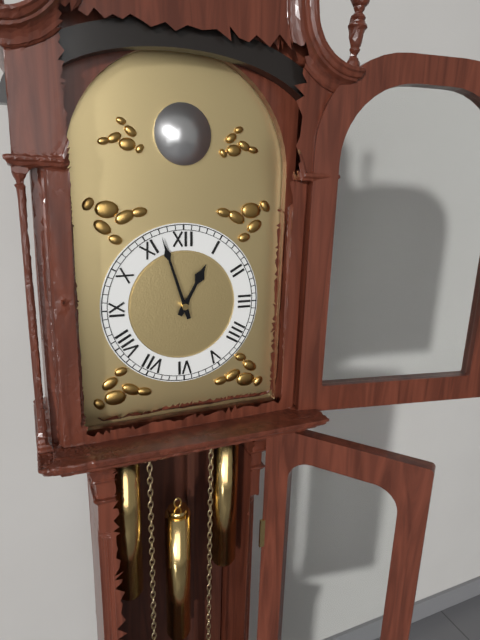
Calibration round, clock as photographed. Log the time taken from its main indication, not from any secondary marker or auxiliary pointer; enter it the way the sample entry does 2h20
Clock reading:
12h57
